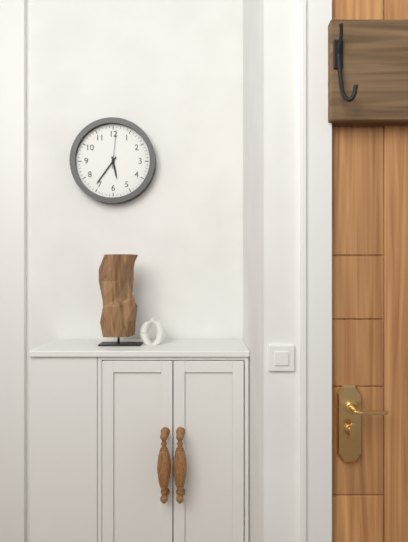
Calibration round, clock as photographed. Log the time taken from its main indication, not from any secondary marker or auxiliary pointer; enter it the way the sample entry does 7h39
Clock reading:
5h36
